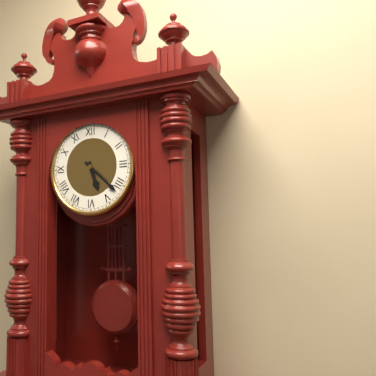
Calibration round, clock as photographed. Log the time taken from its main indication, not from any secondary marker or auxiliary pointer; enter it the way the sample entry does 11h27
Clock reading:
5h22
